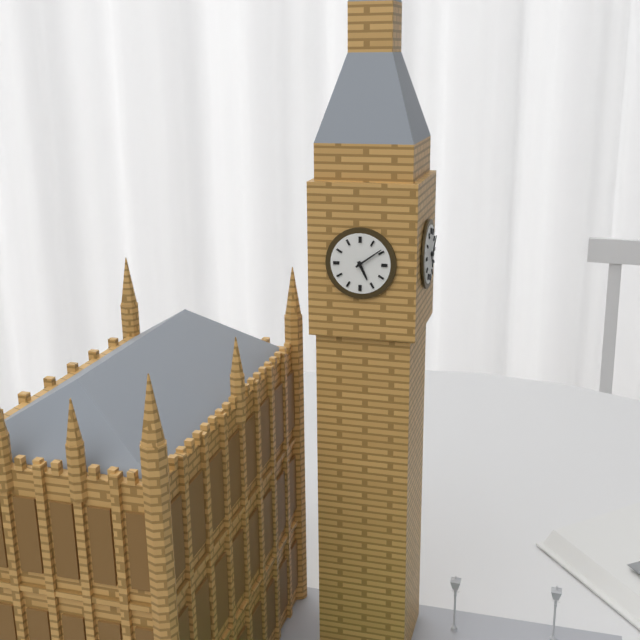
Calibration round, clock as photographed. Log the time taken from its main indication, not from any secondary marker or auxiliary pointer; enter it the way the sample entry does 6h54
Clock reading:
5h09
